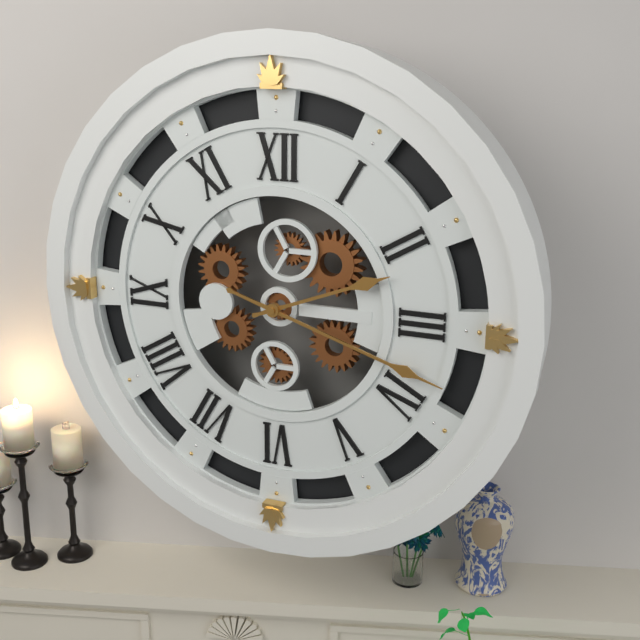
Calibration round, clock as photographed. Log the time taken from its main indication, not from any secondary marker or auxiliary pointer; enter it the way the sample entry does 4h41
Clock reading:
2h18
